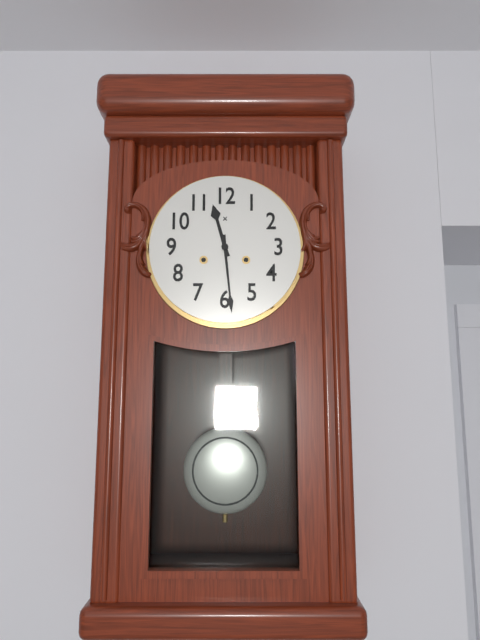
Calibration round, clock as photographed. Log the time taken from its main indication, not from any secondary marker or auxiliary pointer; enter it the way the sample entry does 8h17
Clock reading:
11h29
